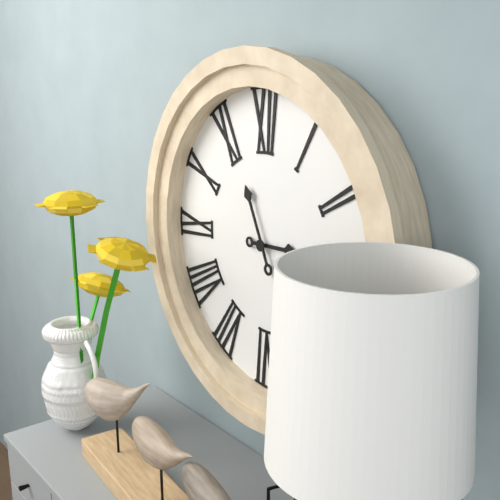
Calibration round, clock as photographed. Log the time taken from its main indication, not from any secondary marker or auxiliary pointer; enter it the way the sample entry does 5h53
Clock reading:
2h56
